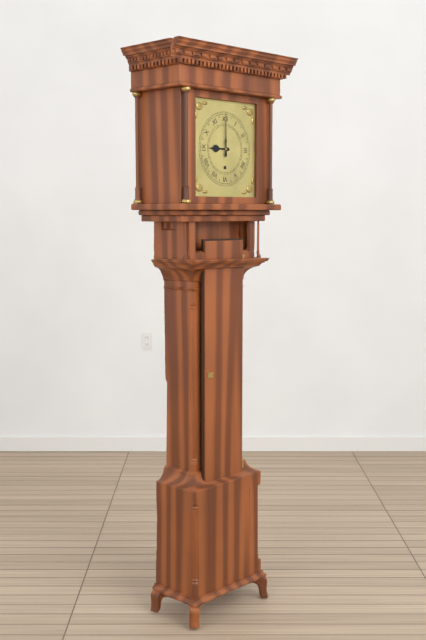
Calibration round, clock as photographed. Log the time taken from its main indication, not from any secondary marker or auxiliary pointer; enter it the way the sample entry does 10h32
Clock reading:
9h00
